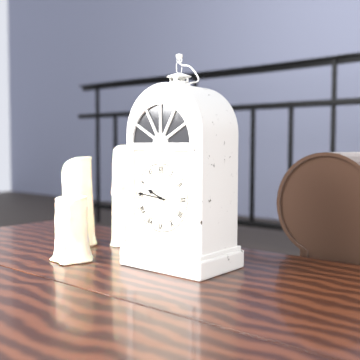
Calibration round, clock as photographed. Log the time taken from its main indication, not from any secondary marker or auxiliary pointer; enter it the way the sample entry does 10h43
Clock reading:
9h46
